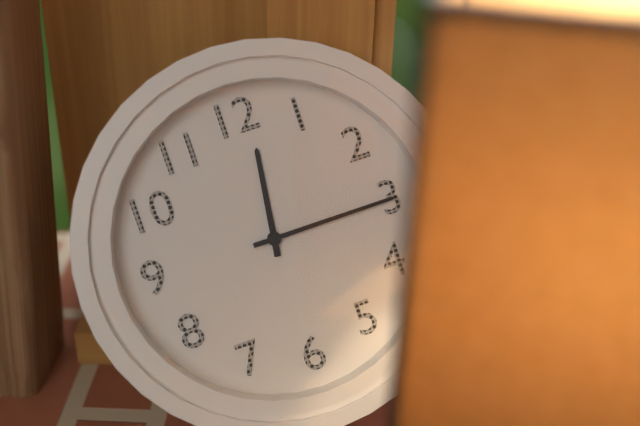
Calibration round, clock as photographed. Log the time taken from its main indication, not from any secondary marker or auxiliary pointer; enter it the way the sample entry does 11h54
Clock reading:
12h15
